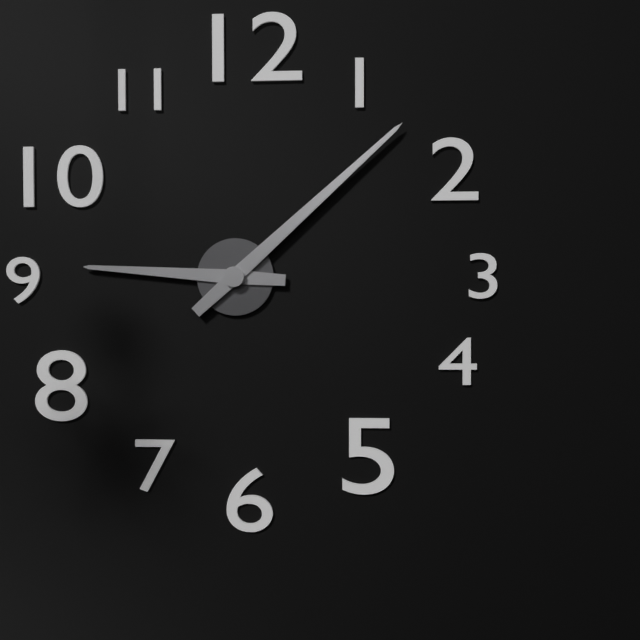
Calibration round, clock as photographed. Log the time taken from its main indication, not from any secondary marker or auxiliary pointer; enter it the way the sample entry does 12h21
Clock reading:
9h08
